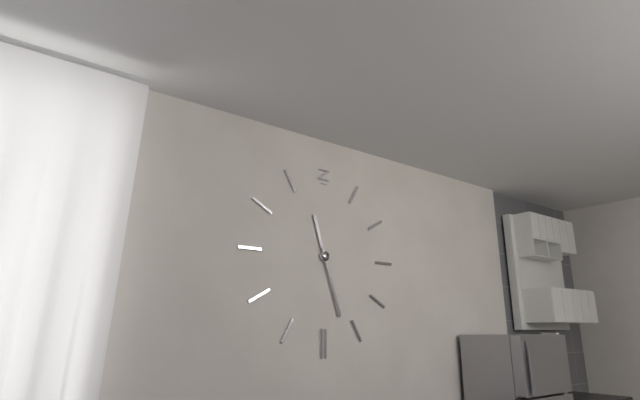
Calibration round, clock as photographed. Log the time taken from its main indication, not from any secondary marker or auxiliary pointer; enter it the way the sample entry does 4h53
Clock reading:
11h27
